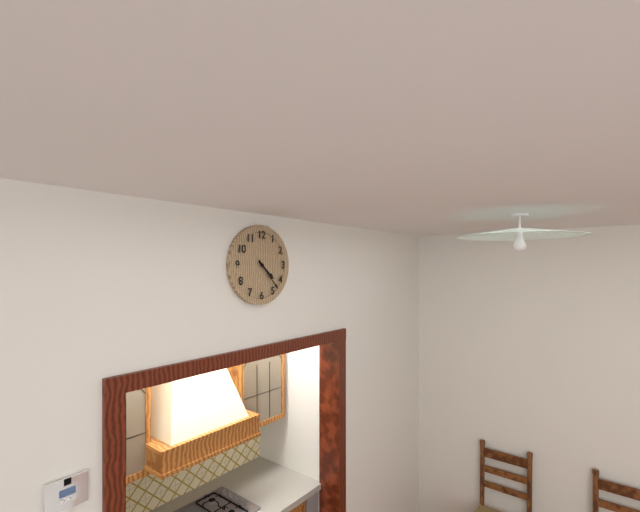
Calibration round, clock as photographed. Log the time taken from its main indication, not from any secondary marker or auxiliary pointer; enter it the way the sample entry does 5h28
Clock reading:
4h23
